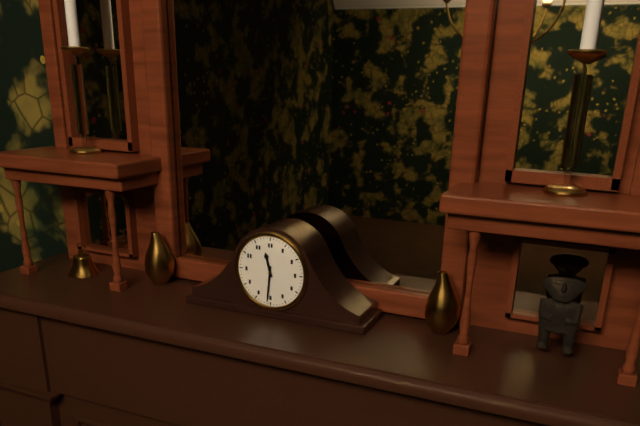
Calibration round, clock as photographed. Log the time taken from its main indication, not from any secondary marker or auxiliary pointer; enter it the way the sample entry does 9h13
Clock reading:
11h31
